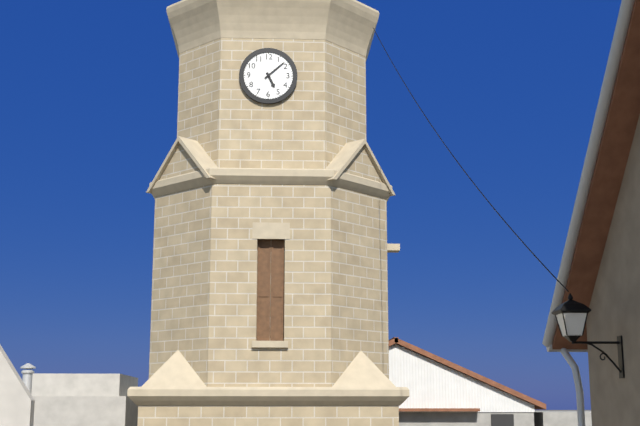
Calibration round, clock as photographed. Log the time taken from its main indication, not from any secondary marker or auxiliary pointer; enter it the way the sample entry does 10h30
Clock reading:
5h08
